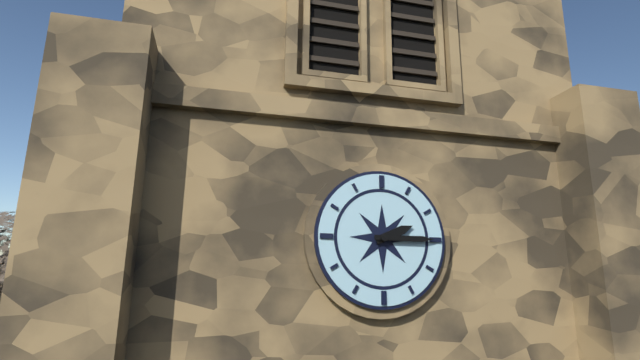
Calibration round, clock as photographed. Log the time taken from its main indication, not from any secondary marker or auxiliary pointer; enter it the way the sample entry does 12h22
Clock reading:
2h15
